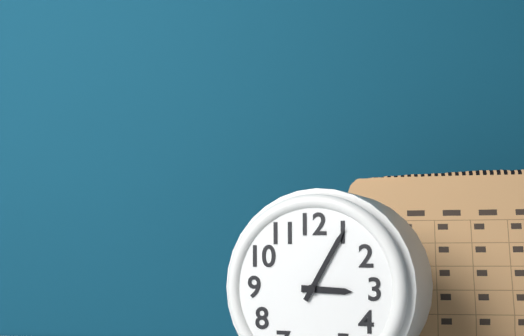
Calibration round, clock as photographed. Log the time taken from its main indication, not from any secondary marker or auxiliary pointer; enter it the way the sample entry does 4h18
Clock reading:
3h05
